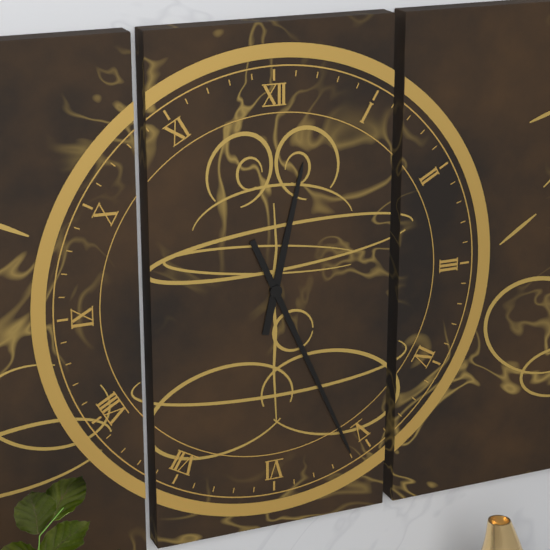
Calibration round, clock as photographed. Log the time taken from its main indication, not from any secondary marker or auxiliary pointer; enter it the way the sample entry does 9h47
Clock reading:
12h26
